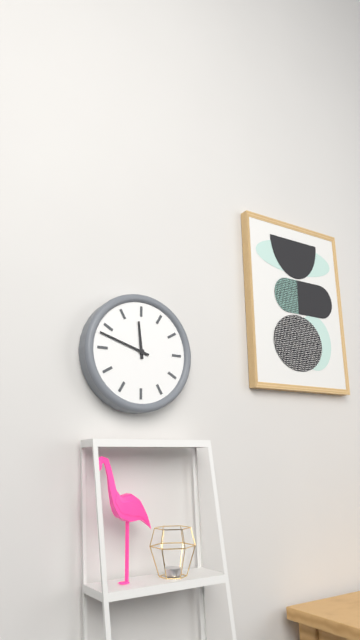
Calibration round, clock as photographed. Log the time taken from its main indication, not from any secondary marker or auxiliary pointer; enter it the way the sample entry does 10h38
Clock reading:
11h48
